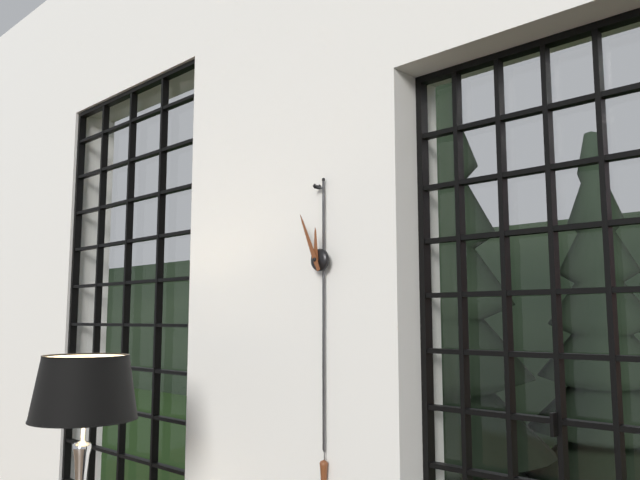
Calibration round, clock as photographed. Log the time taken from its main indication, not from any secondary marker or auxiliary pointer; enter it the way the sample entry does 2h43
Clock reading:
11h56
